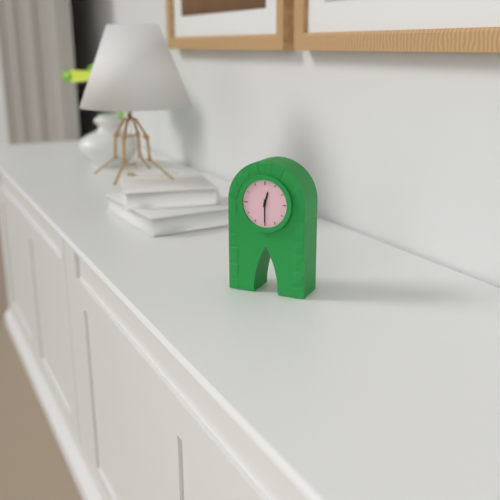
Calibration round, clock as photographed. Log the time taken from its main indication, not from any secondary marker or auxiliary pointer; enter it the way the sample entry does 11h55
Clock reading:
12h30
